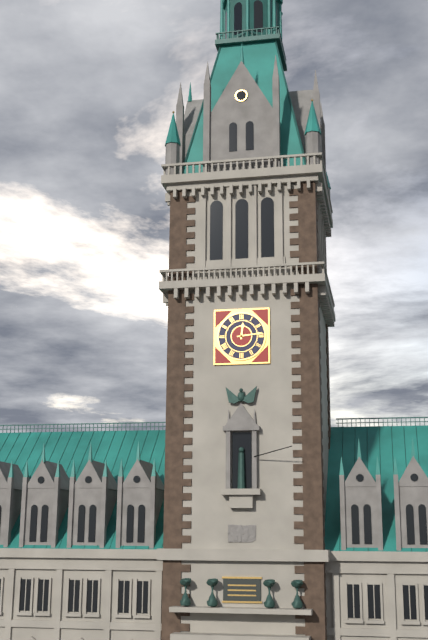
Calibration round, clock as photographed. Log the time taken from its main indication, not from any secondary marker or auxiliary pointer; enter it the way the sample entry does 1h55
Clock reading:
12h14
